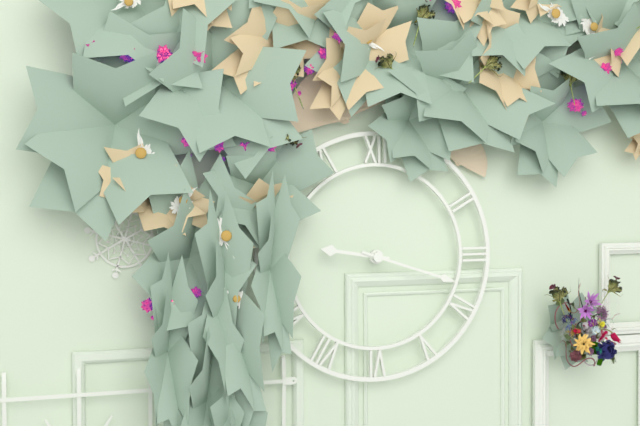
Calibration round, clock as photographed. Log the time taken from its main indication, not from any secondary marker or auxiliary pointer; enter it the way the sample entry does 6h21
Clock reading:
9h18
